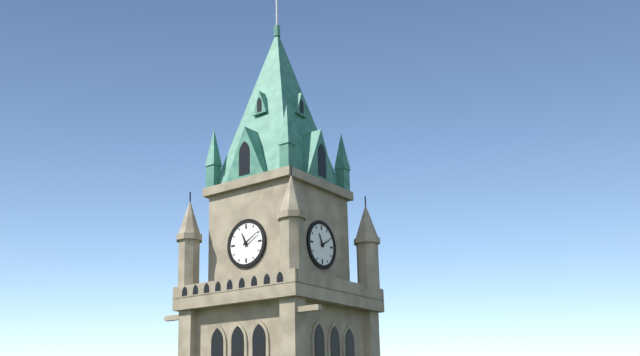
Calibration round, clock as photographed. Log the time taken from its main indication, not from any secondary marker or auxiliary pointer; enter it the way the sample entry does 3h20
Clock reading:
11h10
